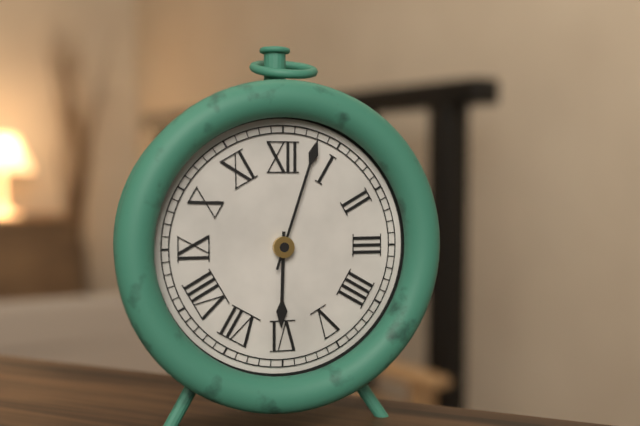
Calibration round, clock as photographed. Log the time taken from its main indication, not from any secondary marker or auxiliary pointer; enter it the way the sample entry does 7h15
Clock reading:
6h03
